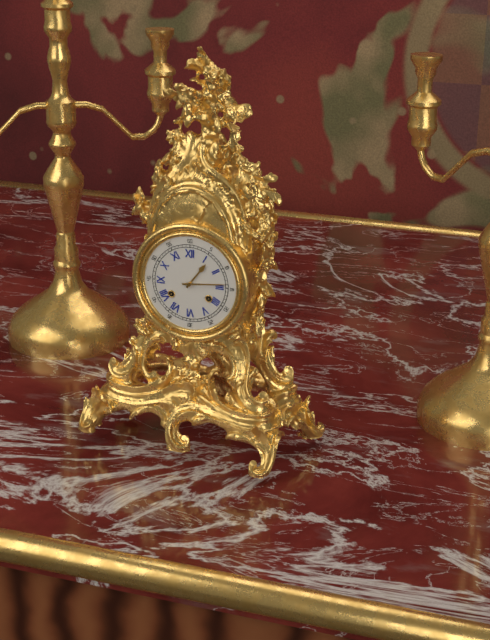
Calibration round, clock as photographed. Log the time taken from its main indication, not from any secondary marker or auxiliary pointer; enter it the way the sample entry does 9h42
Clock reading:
1h14
